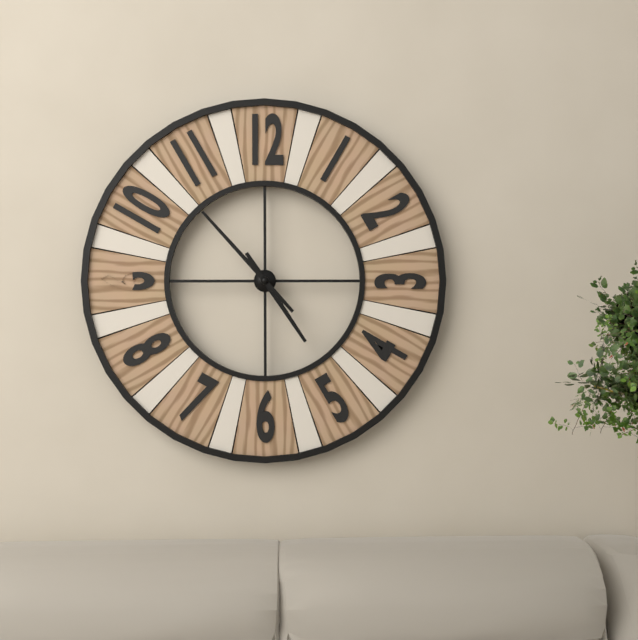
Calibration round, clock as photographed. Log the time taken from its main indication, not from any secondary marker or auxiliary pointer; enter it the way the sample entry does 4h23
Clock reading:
4h53
